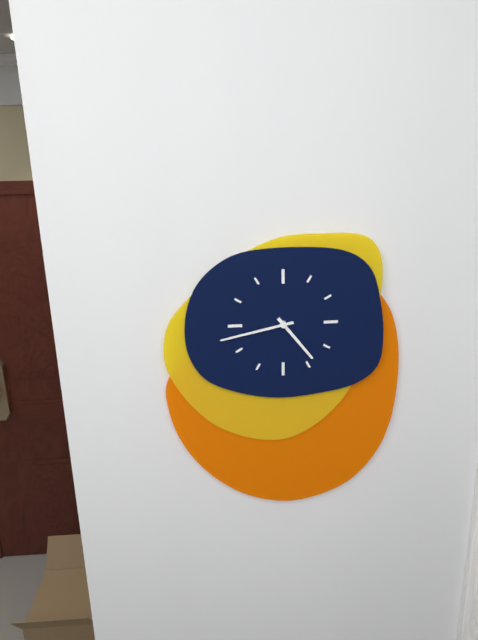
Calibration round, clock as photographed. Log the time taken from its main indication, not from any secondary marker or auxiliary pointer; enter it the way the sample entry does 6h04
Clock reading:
4h43
